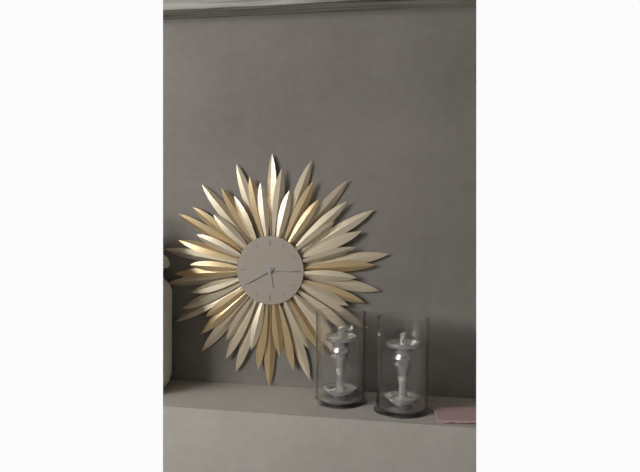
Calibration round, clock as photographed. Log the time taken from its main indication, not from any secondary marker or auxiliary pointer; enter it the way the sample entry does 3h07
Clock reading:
5h40
